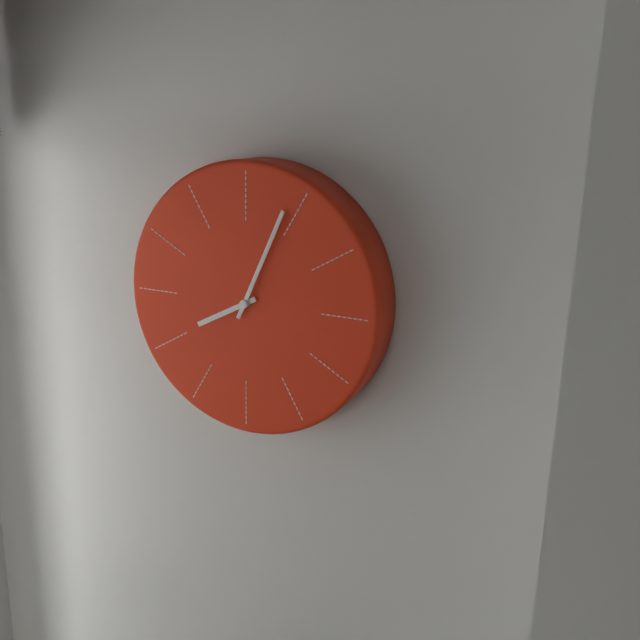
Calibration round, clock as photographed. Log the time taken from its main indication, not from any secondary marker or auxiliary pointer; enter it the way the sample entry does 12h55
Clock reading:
8h04
